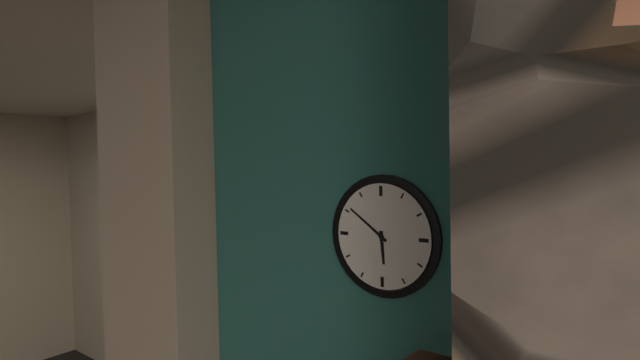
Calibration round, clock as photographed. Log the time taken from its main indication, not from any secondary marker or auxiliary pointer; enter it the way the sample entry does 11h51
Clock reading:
5h51
